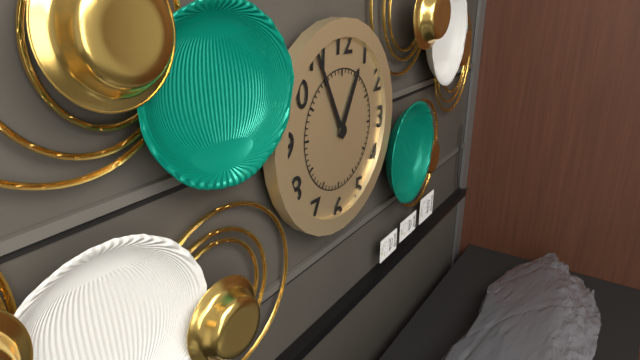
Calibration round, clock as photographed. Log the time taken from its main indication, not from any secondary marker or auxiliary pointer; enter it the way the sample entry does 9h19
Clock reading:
12h55
